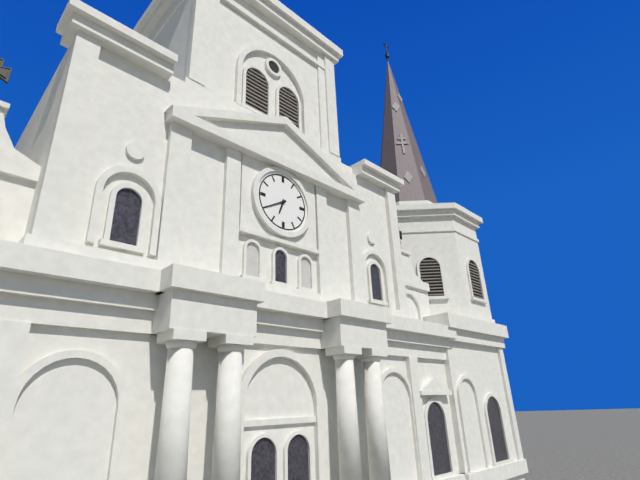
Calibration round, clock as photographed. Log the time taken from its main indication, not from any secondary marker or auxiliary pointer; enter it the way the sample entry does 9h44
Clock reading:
6h40
